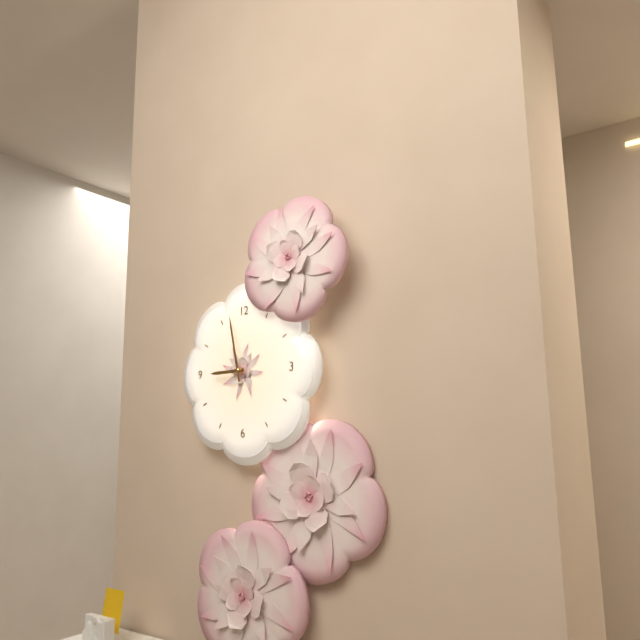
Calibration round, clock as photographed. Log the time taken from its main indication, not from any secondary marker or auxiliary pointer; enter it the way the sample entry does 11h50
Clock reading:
8h58
